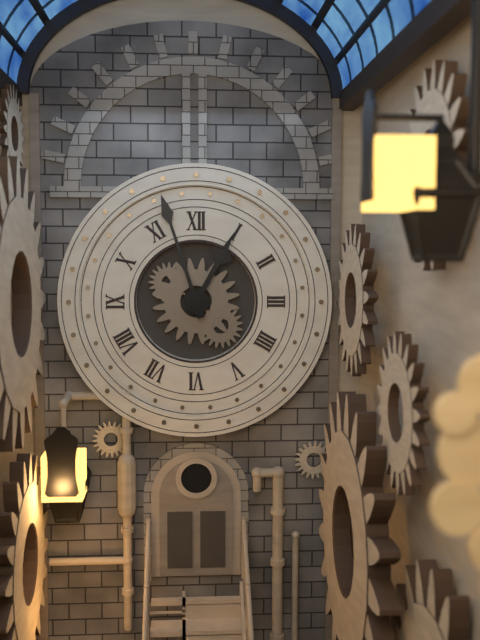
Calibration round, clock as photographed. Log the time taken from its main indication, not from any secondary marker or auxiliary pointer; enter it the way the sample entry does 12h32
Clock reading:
12h57
